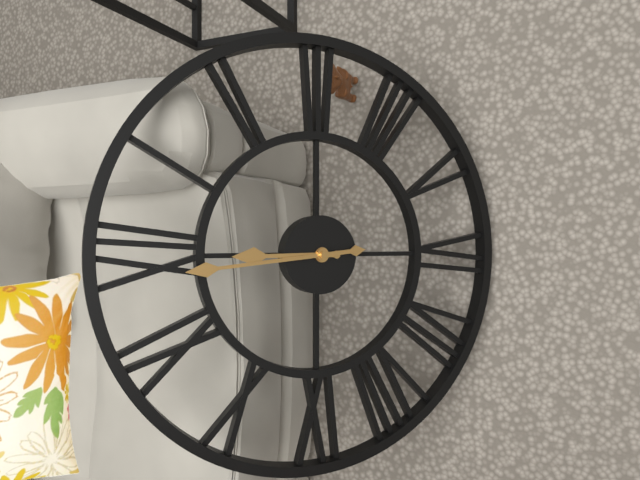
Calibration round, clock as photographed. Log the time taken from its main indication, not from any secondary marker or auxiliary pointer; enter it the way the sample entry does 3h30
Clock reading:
11h59
